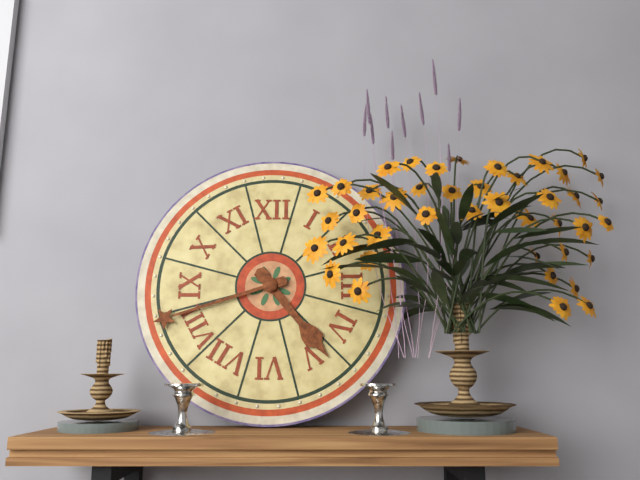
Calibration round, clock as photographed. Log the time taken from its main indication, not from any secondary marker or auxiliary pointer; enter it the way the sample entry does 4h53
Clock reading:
4h42
